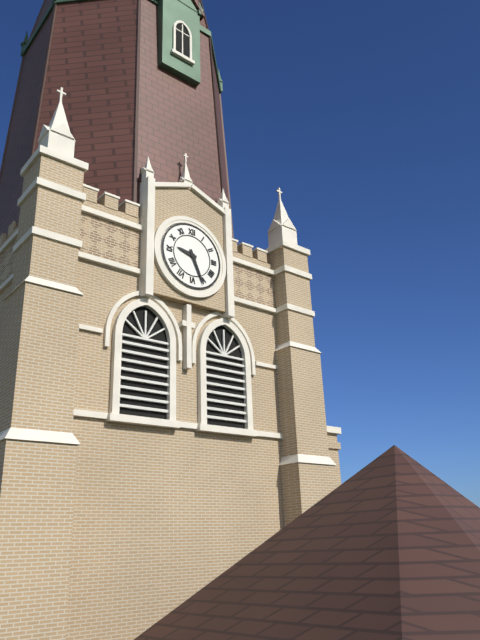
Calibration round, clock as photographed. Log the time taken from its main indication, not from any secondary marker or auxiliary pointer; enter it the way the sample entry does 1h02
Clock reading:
9h26
